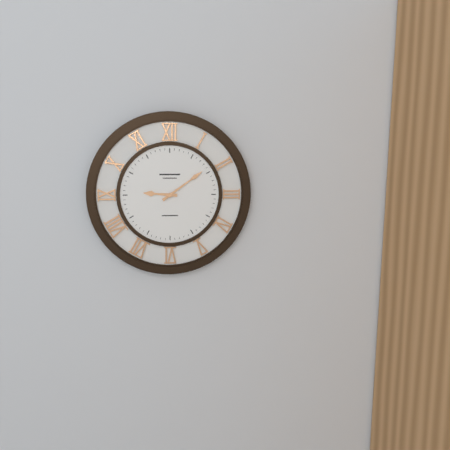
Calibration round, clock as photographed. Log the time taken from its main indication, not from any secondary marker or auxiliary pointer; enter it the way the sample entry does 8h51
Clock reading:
9h09
